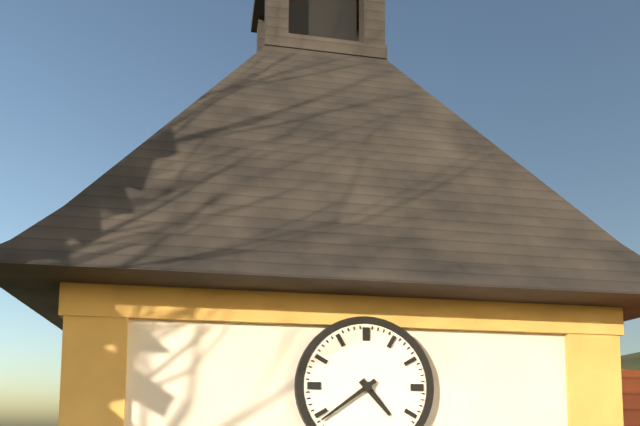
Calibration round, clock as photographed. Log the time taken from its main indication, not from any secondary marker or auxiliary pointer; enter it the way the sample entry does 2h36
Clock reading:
4h39
